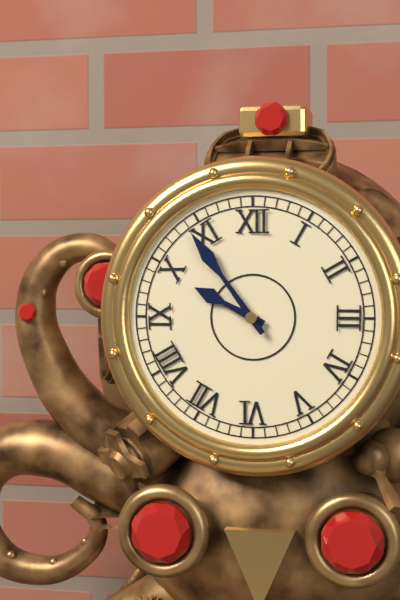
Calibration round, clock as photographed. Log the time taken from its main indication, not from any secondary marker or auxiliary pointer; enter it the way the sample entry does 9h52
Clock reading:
9h54
